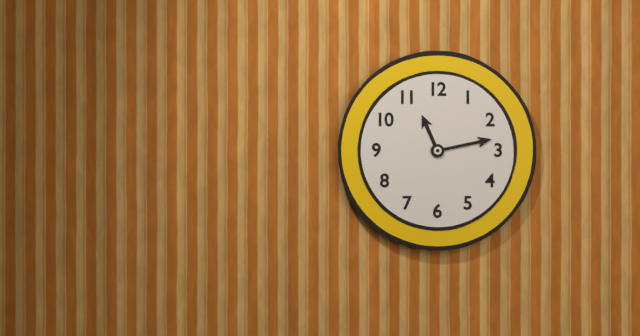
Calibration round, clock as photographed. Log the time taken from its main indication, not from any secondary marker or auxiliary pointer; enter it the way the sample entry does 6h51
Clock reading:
11h13
